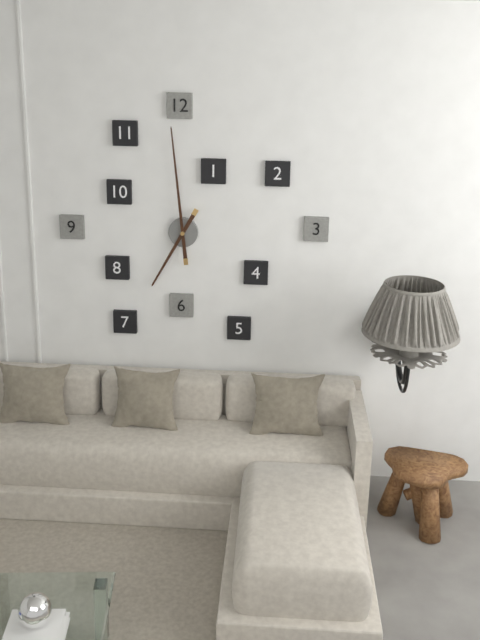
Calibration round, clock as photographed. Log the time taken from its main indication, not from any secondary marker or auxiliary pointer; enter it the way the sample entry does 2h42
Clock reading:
6h59
